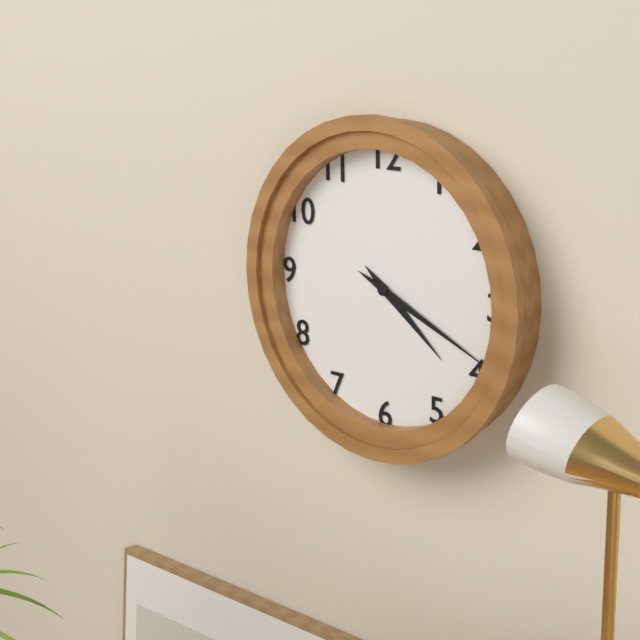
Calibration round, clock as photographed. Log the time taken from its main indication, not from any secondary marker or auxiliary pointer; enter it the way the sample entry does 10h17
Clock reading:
4h19
